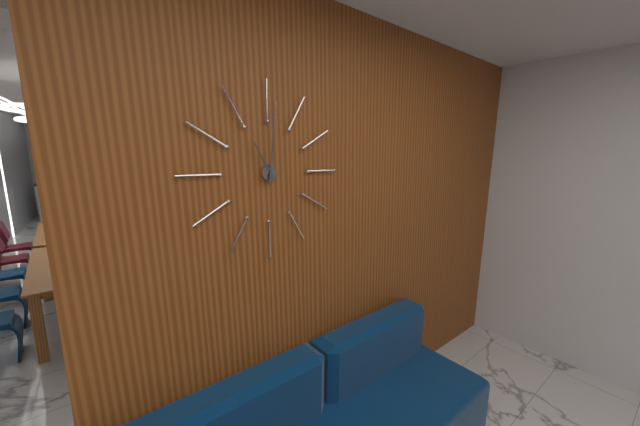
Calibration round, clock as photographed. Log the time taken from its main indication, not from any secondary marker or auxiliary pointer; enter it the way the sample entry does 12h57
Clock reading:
11h01
